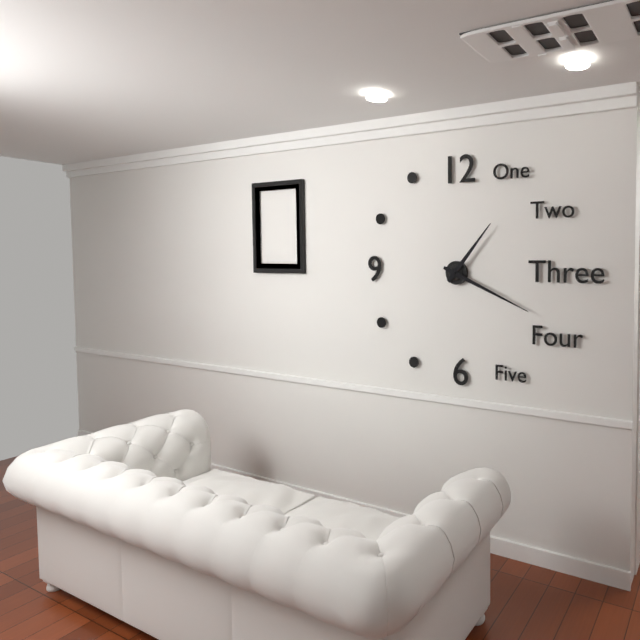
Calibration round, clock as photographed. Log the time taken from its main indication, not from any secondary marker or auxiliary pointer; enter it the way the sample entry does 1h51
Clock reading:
1h19
